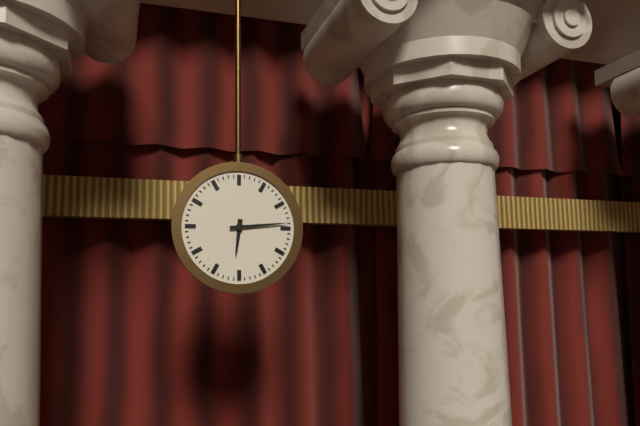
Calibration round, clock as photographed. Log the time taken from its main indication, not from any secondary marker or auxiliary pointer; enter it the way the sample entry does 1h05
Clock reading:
6h14
